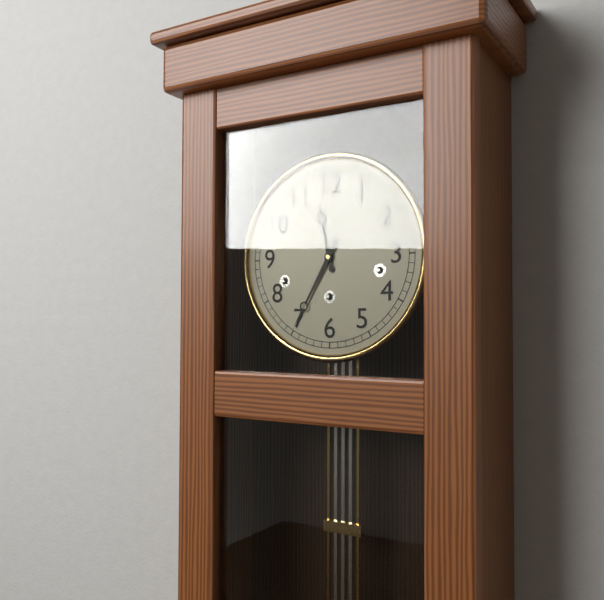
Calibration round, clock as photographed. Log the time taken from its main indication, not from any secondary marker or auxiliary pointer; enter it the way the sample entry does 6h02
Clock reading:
11h35
